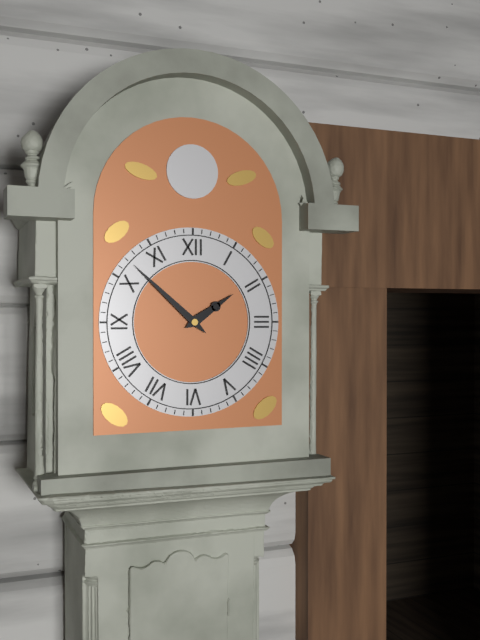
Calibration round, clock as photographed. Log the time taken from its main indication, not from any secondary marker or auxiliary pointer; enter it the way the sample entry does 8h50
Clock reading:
1h52
